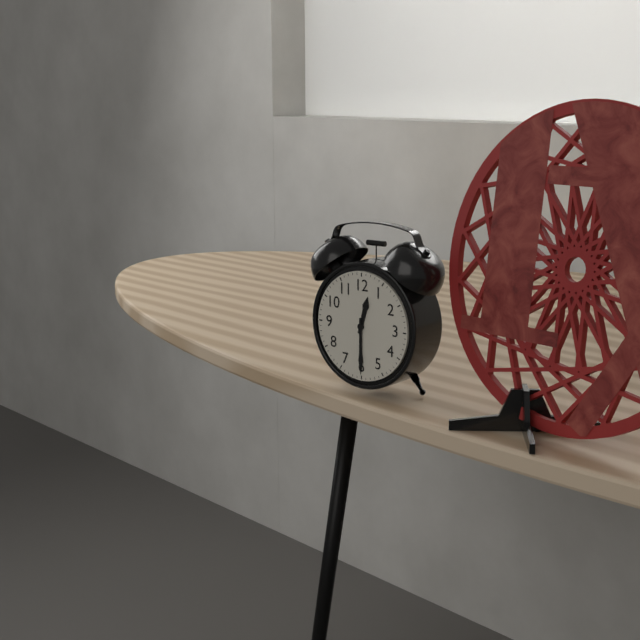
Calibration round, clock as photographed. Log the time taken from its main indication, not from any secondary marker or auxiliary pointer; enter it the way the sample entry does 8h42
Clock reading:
12h30
